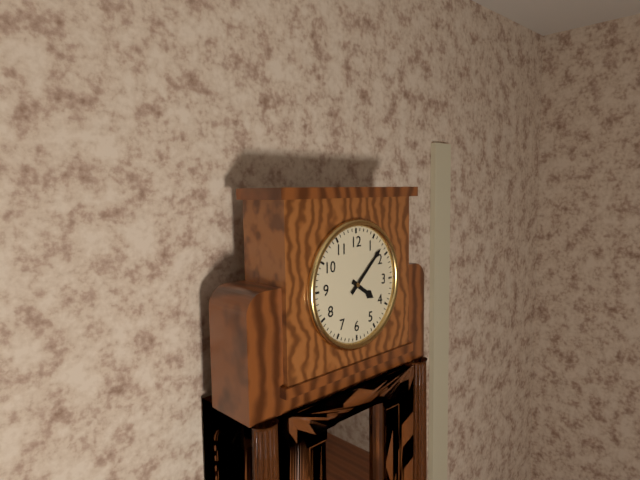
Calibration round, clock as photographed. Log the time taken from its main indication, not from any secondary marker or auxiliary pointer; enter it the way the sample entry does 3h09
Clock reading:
4h08
